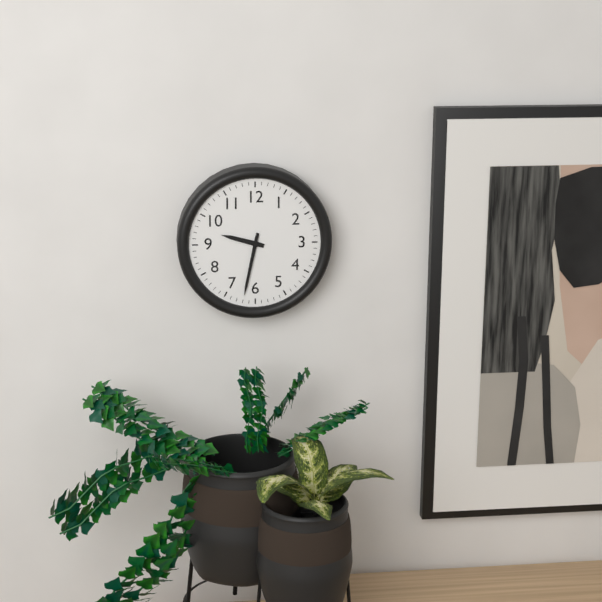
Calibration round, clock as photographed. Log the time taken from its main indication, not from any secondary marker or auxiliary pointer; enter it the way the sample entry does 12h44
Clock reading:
9h32
